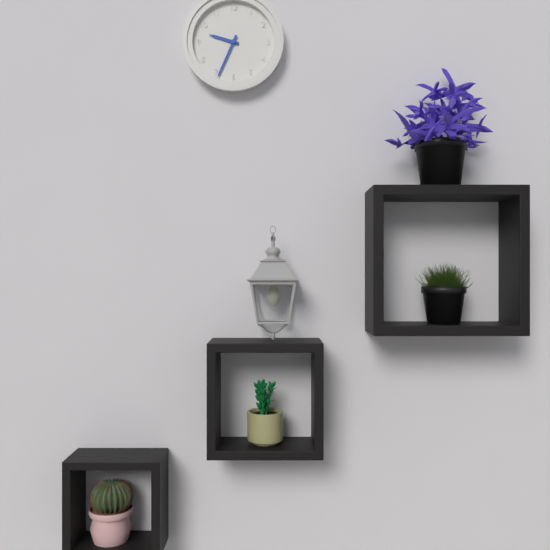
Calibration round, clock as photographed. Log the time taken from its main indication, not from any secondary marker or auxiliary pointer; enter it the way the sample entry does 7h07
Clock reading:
9h34
